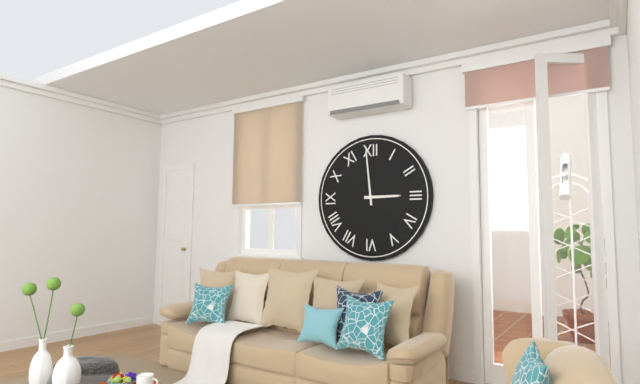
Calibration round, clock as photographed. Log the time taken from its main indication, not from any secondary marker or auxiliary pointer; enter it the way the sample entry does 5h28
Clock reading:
2h59
